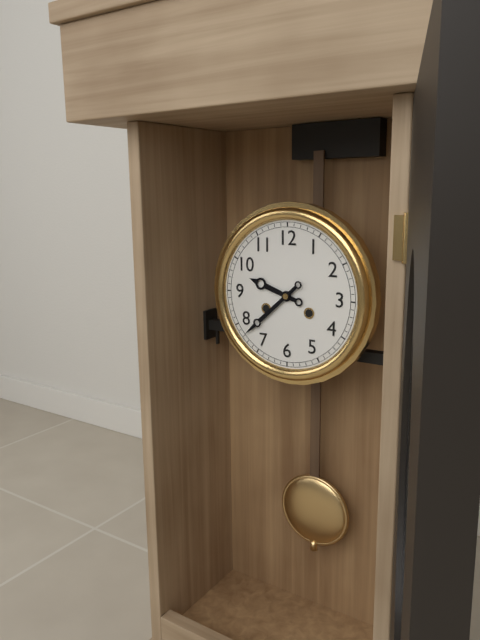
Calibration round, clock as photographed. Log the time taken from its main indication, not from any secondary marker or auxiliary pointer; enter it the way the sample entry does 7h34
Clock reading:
9h38
